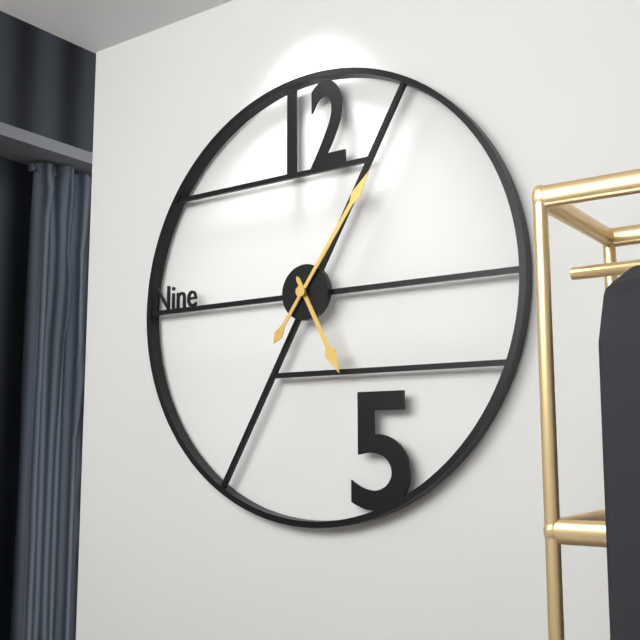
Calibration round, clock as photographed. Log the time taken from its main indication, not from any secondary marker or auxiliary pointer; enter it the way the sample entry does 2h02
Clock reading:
5h06
